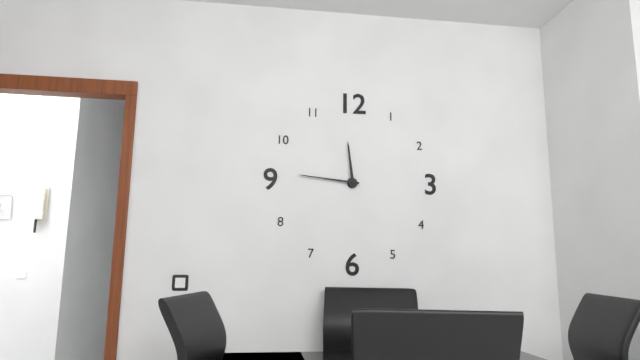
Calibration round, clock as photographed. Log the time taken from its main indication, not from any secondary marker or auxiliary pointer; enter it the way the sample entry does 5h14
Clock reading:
11h46
